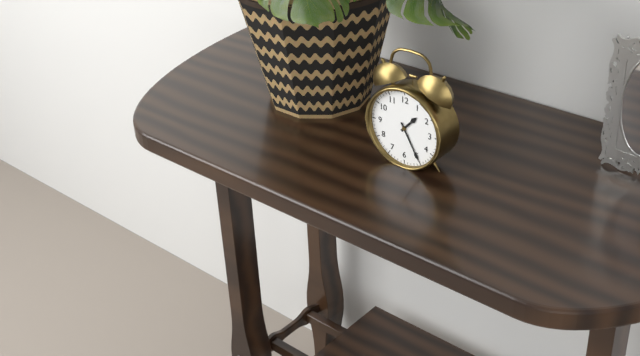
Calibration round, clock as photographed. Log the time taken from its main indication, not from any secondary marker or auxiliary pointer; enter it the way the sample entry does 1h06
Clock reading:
1h25
